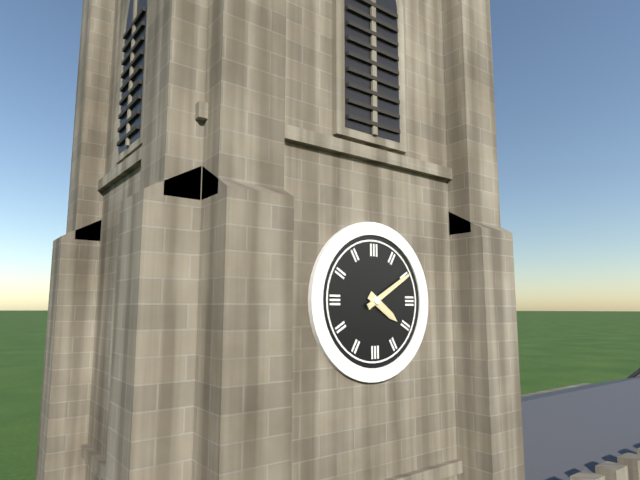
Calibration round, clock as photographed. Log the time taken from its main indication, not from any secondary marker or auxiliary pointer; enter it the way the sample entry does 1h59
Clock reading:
4h10
